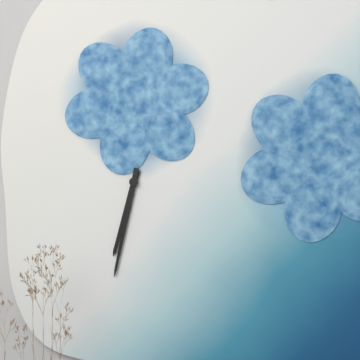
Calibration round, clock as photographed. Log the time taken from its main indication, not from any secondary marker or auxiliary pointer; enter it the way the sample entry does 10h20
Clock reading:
6h32
